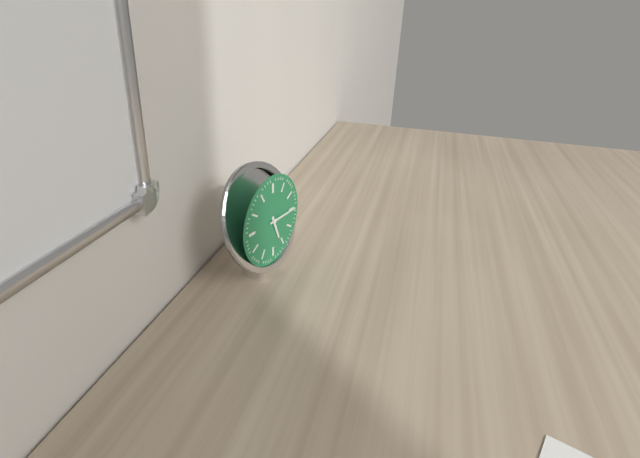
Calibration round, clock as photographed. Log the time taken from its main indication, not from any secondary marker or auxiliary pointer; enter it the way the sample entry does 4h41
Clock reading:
5h15
